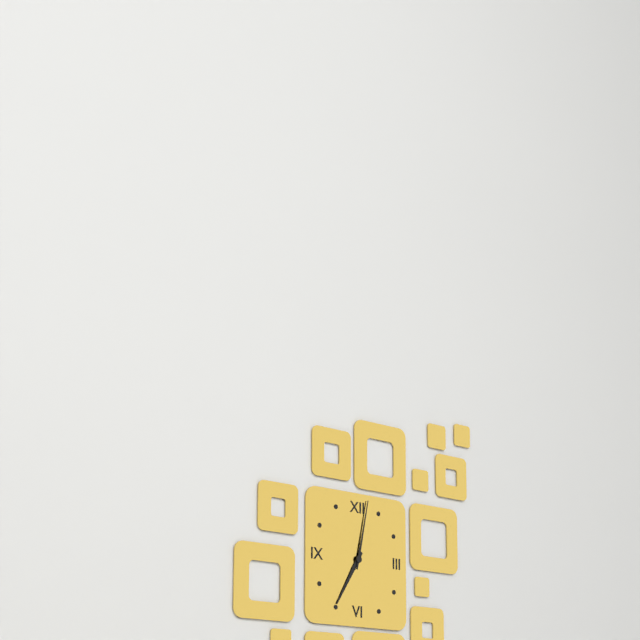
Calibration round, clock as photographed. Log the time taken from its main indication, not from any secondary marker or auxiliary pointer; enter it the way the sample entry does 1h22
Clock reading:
7h02
